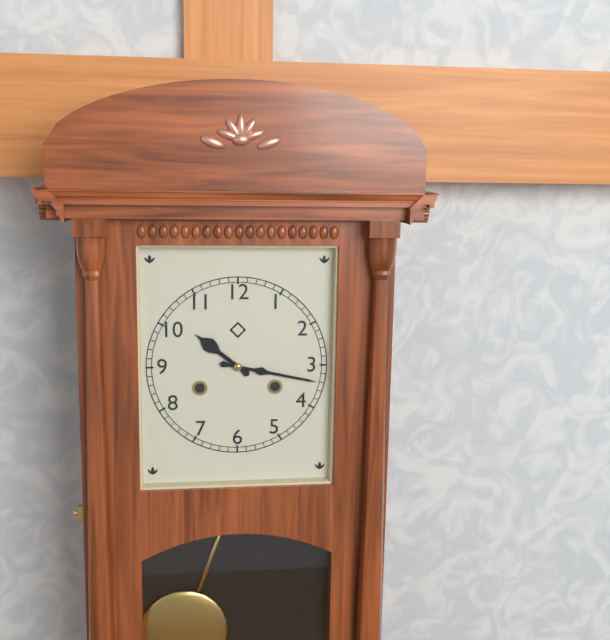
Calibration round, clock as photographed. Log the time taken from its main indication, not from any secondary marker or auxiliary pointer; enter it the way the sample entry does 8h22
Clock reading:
10h17
